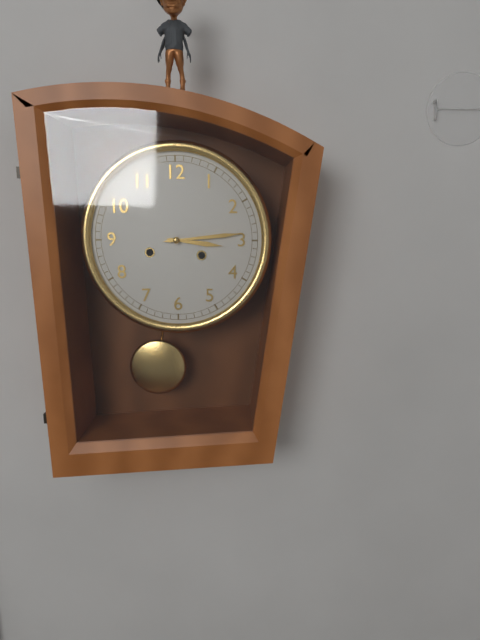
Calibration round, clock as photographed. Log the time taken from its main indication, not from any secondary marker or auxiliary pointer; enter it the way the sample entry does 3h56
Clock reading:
3h14
